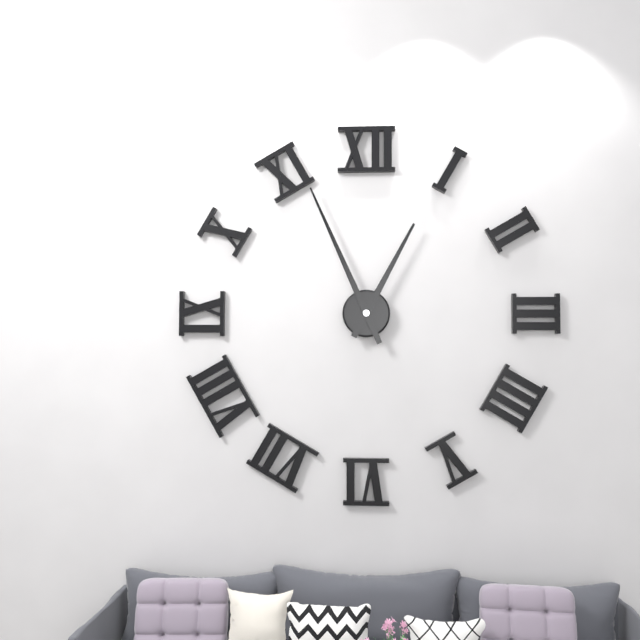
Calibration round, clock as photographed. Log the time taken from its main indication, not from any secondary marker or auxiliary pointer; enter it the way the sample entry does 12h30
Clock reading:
12h56
